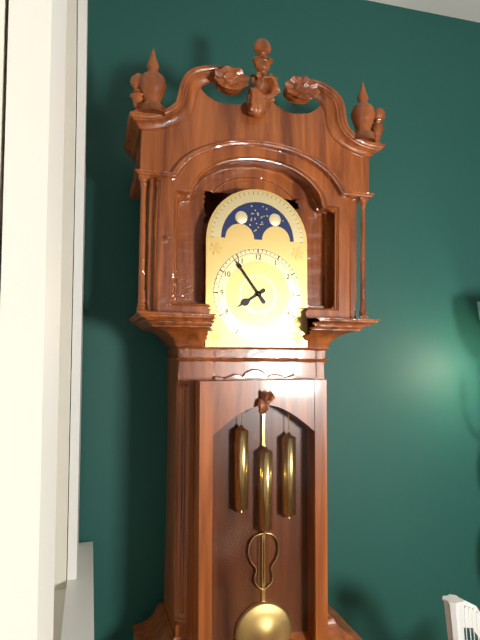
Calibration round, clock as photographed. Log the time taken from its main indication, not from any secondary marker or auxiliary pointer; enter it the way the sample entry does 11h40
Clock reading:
7h54
